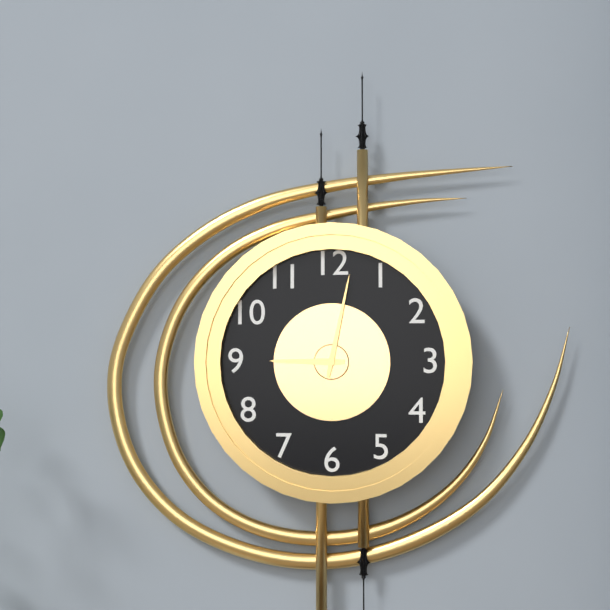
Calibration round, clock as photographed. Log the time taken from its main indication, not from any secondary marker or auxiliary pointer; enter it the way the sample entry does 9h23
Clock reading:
9h02
